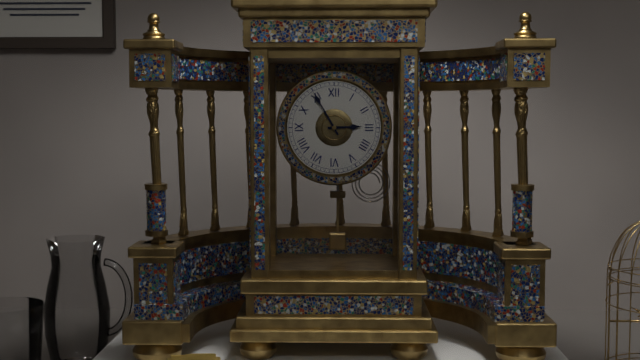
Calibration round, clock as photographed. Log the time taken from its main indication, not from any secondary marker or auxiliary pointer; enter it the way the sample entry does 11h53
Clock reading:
2h55
